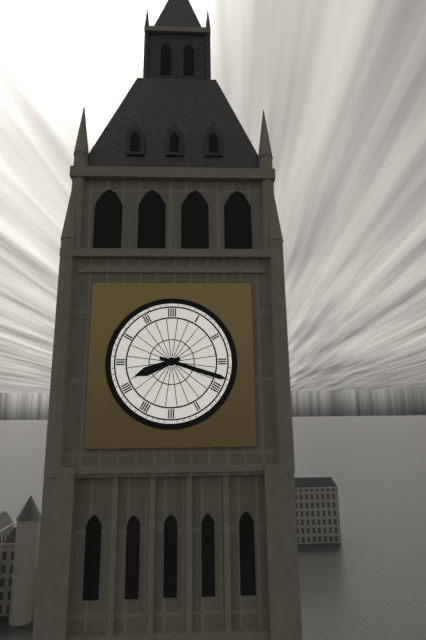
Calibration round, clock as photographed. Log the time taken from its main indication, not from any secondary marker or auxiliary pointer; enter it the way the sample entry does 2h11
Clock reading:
8h18
